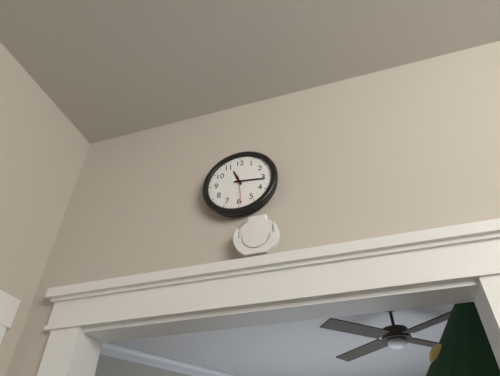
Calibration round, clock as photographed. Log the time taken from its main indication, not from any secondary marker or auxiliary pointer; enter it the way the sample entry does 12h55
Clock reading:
11h16
